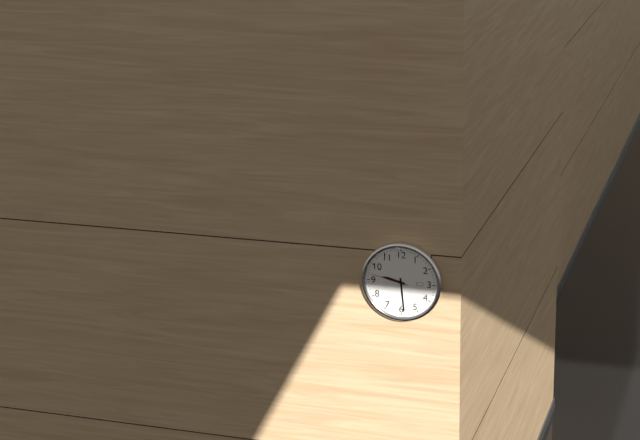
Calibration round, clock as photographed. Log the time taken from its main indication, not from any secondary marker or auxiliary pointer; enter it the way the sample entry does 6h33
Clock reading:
9h29
